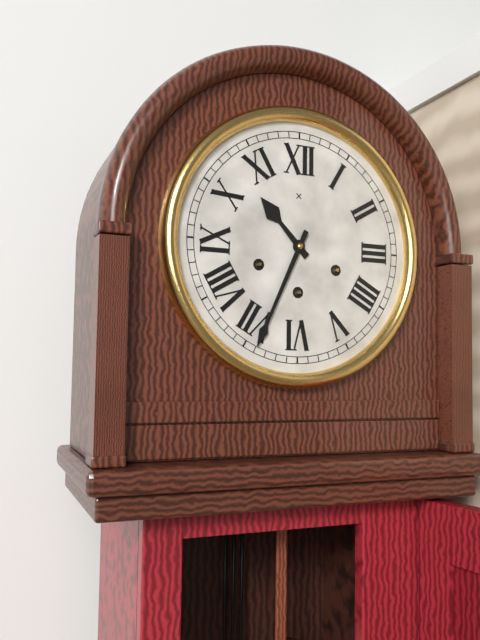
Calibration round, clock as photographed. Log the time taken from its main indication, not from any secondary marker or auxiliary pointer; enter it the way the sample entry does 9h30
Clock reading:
10h34
